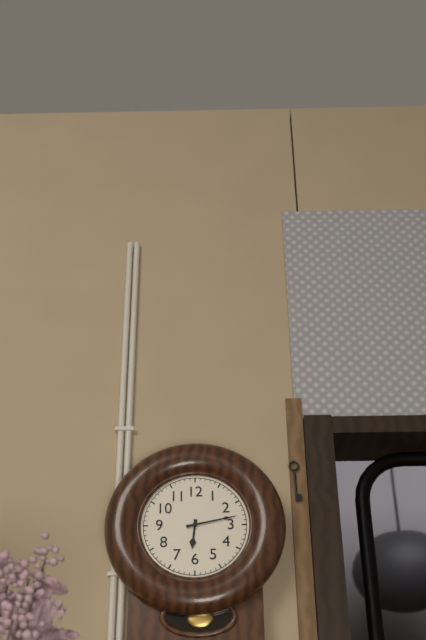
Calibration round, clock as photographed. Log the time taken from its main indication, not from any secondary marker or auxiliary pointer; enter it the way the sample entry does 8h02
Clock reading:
6h13
